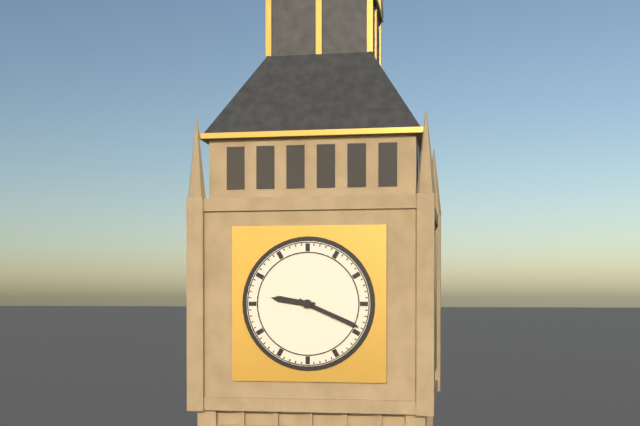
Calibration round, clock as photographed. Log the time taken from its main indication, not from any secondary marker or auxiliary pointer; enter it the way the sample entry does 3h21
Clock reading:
9h19
